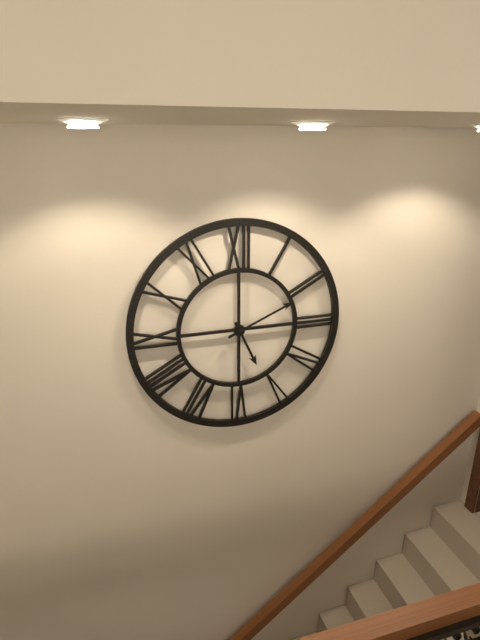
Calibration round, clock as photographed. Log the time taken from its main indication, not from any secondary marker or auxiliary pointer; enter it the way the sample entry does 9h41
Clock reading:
5h11
